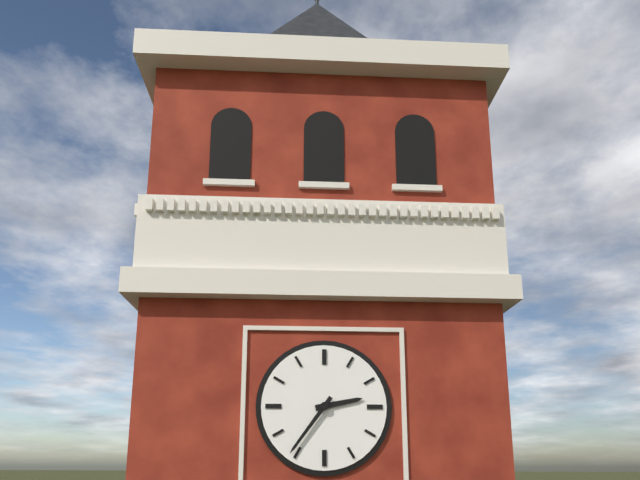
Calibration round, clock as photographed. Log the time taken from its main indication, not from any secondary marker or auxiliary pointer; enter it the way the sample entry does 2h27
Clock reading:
2h36
